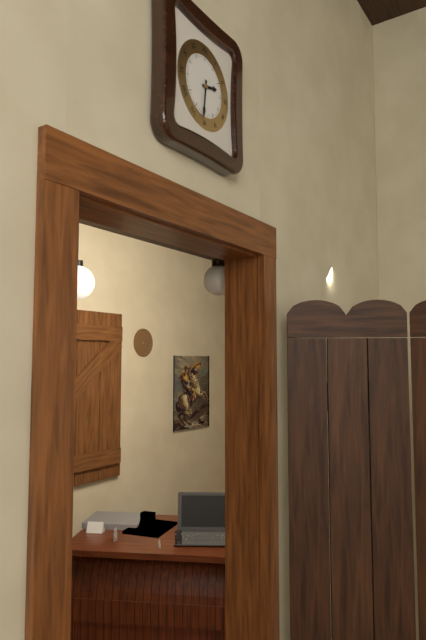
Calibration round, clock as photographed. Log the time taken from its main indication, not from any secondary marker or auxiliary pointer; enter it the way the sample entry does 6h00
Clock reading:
2h31
